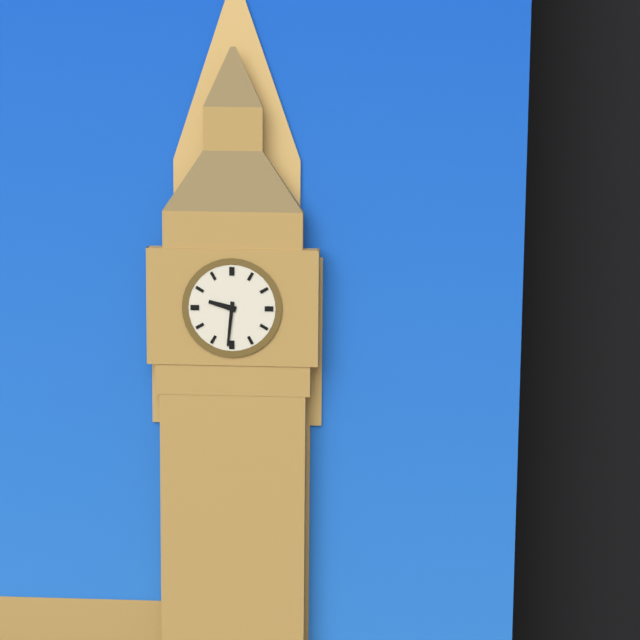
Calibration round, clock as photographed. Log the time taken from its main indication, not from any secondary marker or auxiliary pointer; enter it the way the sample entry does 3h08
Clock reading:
9h31
